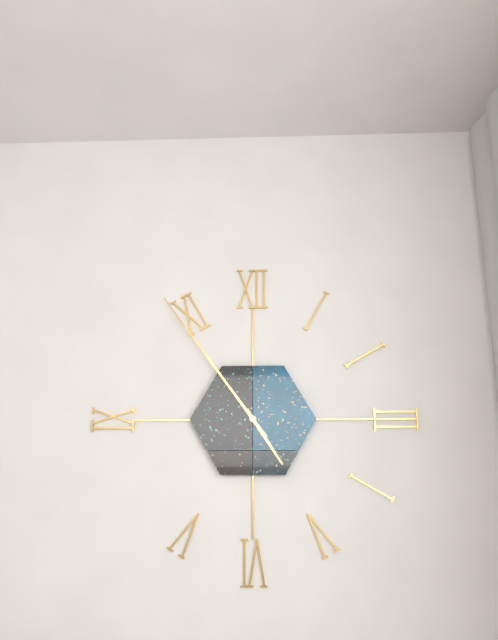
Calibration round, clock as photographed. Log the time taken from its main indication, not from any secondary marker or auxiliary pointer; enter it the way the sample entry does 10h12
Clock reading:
4h54
